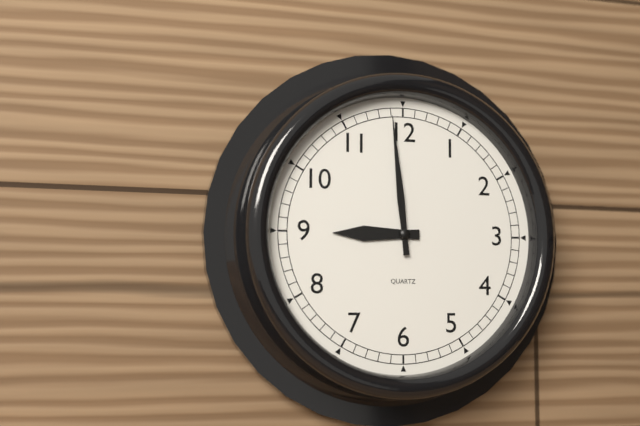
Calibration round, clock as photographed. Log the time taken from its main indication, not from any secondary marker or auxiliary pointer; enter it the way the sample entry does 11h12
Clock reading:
8h59
